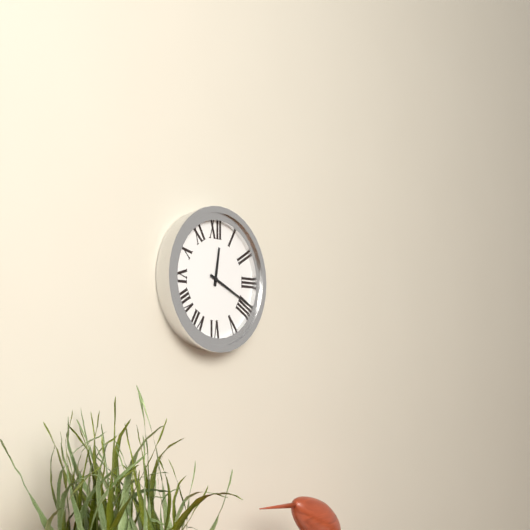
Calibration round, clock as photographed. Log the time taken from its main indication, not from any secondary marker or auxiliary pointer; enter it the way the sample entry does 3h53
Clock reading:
12h19
